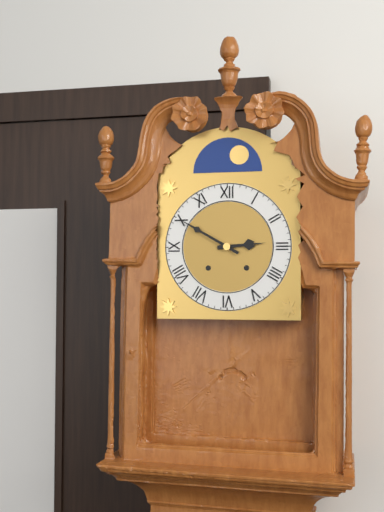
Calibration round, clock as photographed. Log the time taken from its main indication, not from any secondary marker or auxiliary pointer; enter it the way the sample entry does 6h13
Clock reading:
2h50
